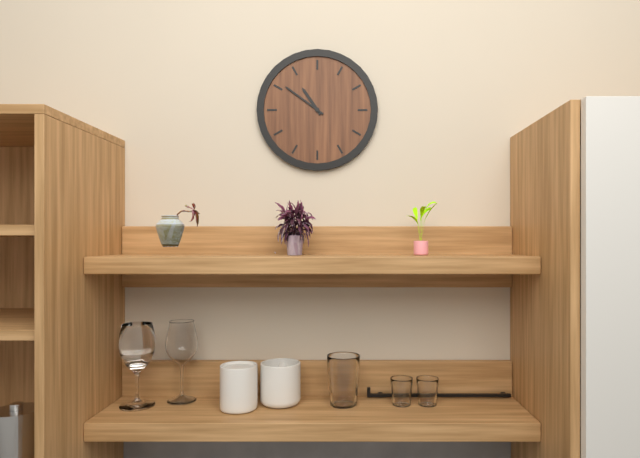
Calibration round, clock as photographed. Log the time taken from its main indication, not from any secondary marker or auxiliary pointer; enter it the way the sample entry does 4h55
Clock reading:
10h51
